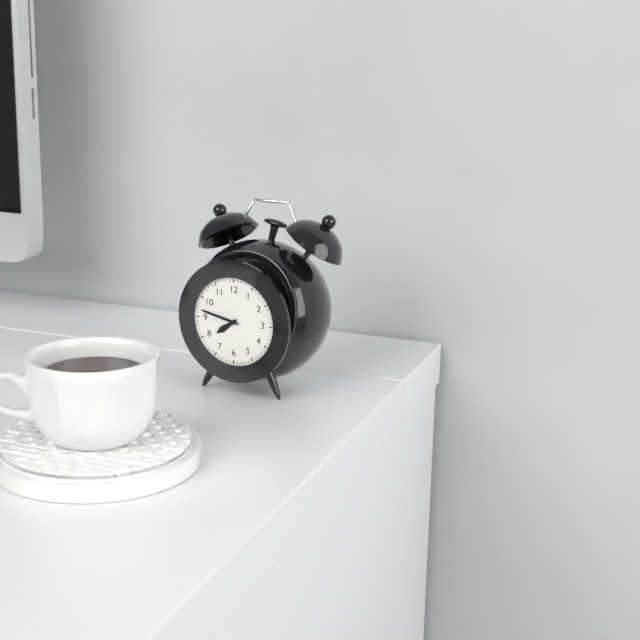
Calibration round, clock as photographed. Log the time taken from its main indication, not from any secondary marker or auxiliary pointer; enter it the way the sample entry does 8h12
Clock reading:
7h47
